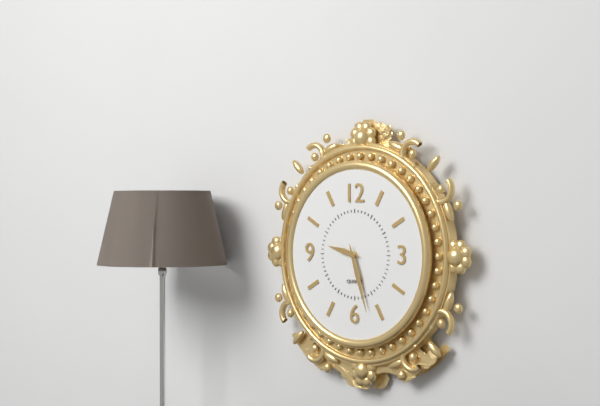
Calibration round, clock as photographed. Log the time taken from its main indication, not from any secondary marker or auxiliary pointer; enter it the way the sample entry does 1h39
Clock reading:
9h27
